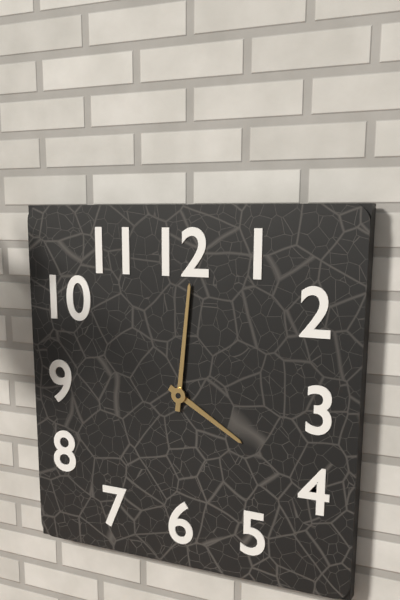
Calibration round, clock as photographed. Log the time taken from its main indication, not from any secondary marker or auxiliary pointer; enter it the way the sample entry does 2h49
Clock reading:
4h01
